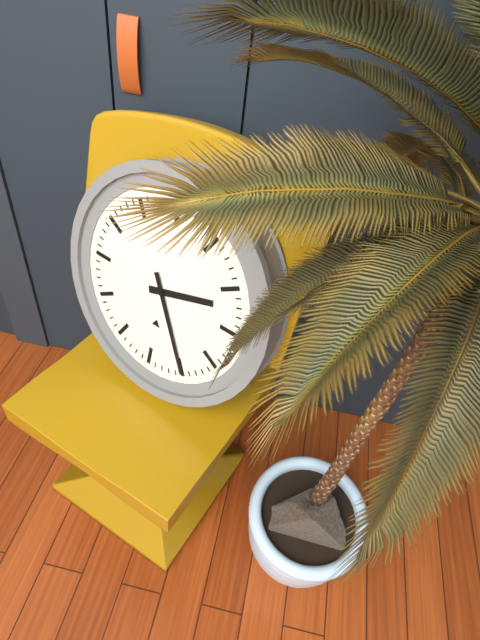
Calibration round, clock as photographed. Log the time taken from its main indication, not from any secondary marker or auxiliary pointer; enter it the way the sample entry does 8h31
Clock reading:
2h25
